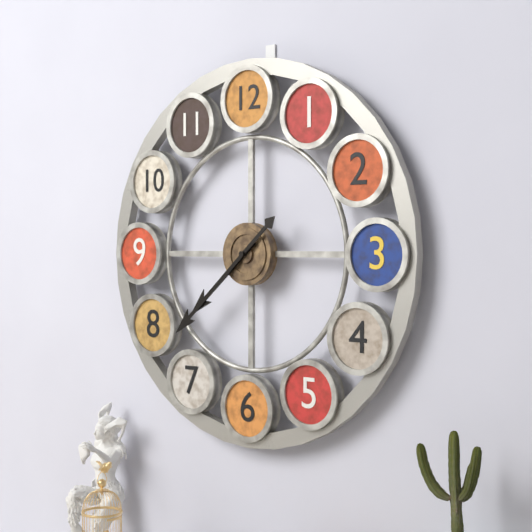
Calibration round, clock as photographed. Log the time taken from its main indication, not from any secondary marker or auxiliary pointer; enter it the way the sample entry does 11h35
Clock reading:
7h38
